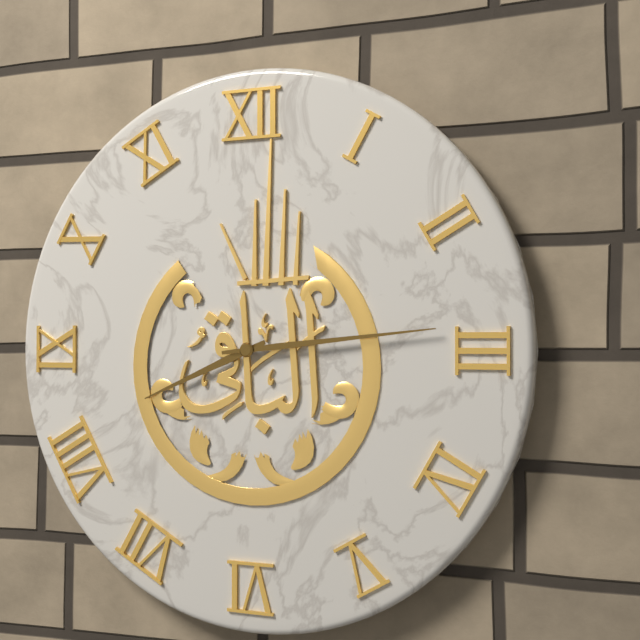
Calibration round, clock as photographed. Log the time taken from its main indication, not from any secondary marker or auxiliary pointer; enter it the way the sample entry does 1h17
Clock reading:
8h14
